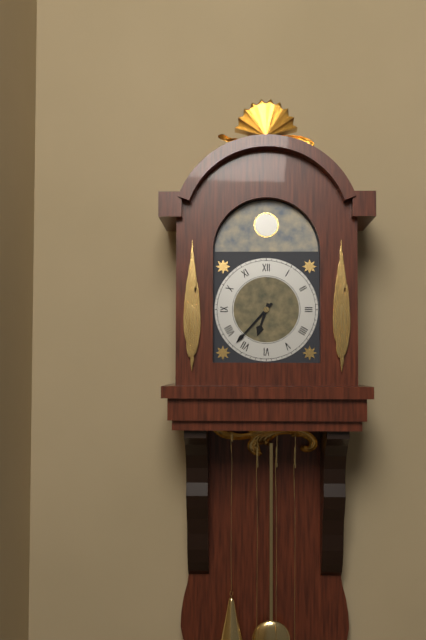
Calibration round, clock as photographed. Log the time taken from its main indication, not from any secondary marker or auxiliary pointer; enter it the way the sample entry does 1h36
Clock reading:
6h37
